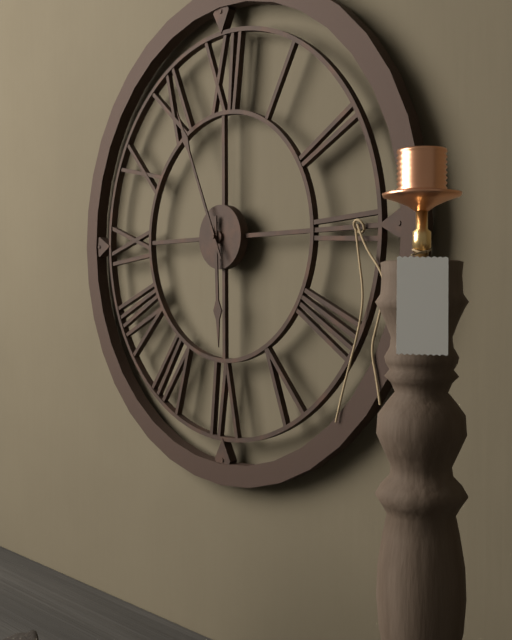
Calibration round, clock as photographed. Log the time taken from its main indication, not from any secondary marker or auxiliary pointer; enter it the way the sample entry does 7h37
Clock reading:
5h56
